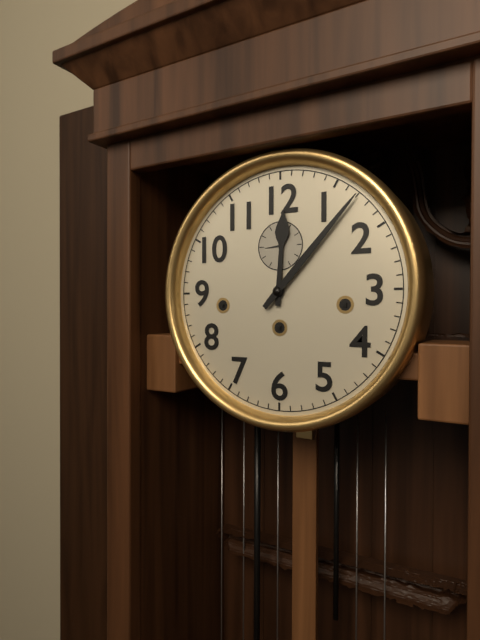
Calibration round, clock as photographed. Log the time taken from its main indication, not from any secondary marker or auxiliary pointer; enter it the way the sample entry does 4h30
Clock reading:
12h07
